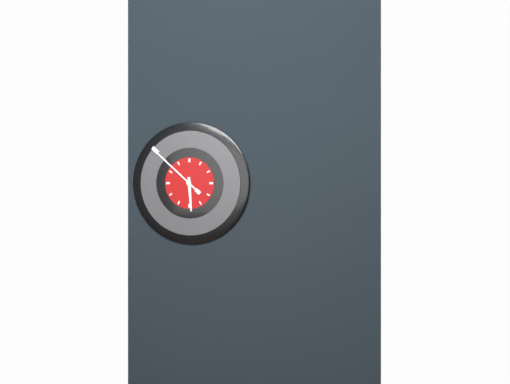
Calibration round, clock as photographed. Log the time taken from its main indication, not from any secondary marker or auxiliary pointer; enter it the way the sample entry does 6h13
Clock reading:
5h52
